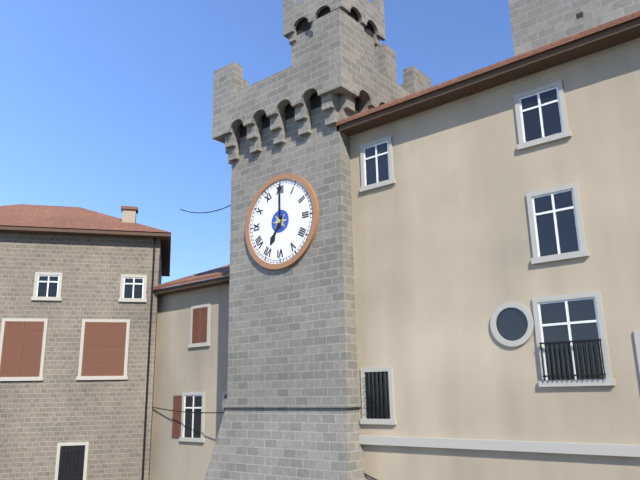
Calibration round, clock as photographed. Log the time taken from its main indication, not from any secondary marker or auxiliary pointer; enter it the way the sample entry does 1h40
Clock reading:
7h00
